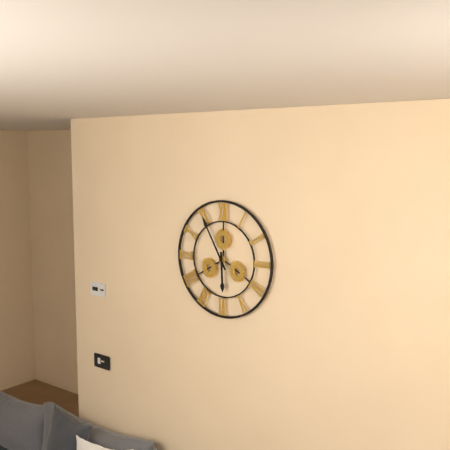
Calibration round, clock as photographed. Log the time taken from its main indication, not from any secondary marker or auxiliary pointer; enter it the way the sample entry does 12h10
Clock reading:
5h55
